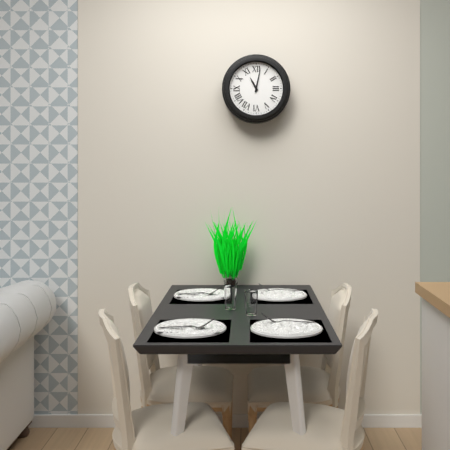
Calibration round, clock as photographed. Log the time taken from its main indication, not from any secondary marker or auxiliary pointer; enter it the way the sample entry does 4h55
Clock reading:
11h02
